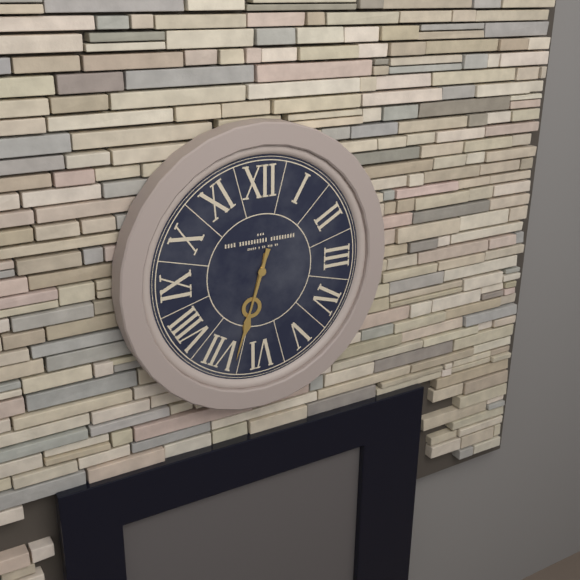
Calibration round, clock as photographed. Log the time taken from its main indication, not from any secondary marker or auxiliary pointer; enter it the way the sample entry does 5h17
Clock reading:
6h33
